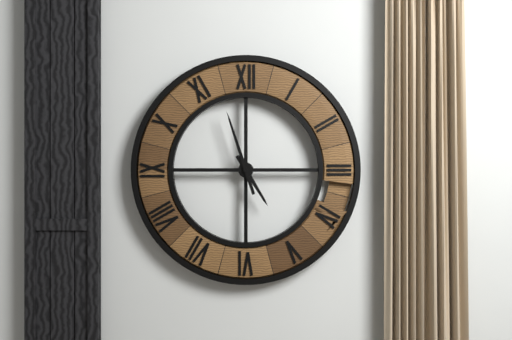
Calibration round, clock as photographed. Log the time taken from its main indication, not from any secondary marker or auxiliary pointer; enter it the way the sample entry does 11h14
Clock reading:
4h57
